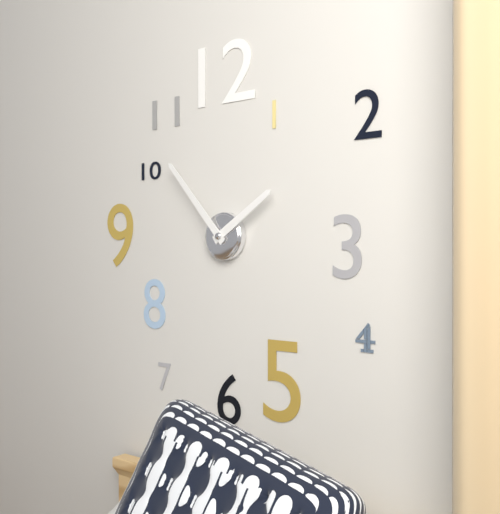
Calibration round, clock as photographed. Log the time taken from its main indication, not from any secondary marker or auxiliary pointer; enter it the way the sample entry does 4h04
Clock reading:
1h53
